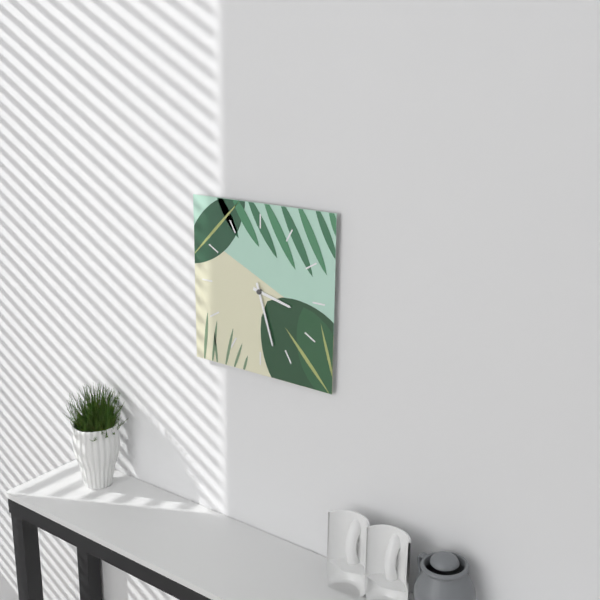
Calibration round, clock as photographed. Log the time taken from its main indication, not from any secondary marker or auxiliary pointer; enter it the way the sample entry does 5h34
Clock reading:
3h27
